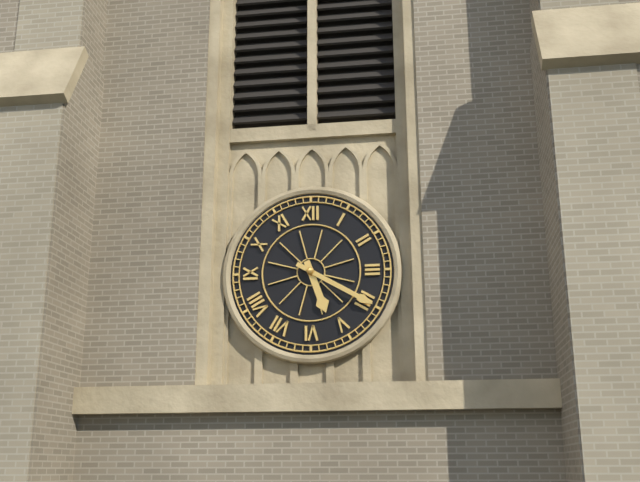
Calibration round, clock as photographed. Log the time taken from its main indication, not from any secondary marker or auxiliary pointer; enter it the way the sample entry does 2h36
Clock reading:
5h20
